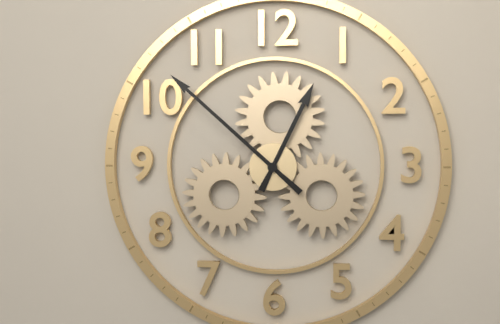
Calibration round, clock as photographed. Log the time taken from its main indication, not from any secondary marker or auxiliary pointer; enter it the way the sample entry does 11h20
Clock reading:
12h52
